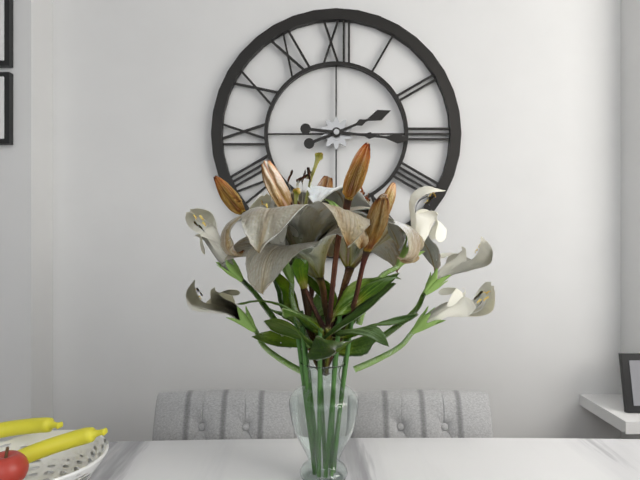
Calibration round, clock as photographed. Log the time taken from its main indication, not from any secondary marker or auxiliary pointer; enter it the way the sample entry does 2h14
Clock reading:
2h16
